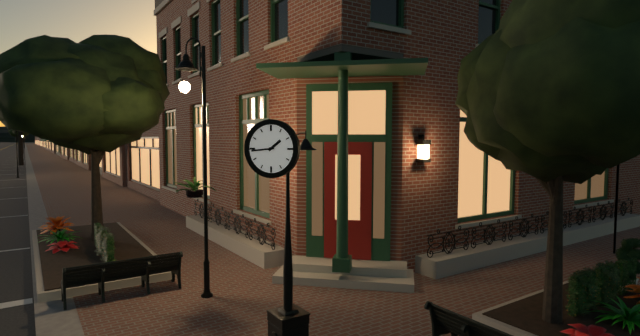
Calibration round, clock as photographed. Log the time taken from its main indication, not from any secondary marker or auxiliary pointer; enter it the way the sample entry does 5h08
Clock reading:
1h44
